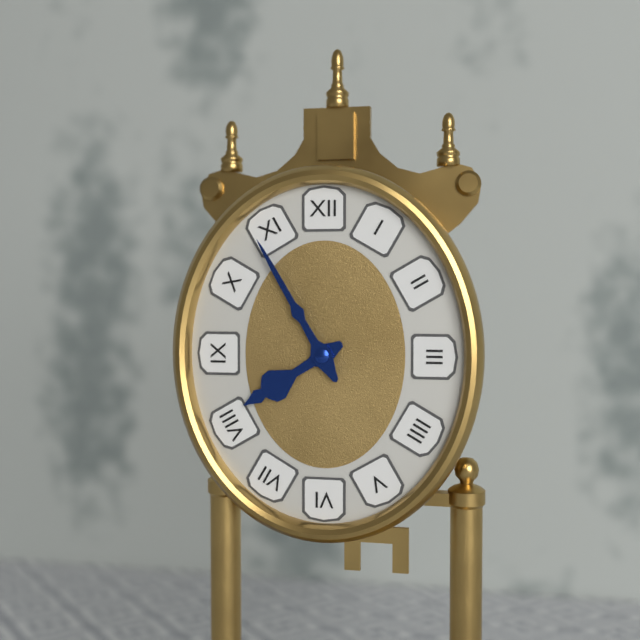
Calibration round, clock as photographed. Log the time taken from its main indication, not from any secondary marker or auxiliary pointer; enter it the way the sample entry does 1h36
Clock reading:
7h55
